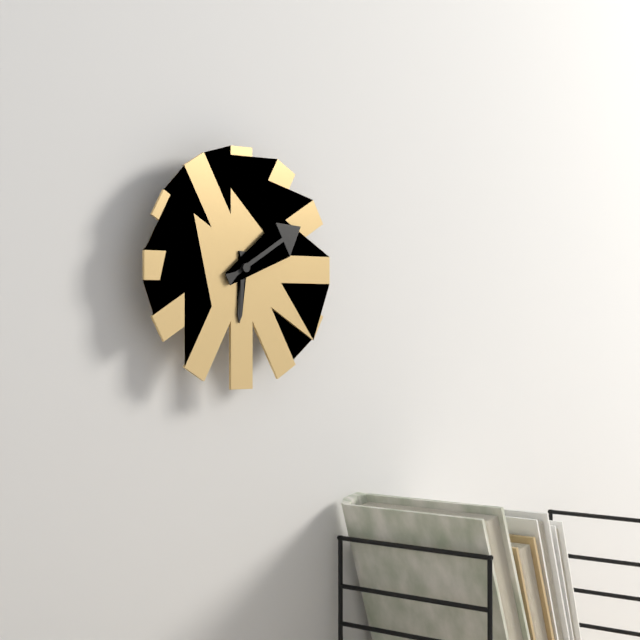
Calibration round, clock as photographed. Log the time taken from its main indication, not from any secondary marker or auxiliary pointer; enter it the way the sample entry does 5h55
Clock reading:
6h10
